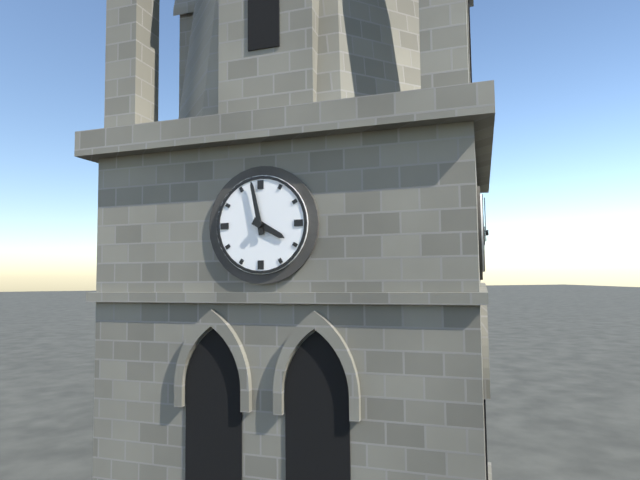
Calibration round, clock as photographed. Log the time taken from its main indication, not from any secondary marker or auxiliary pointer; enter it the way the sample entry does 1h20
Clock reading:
3h58
